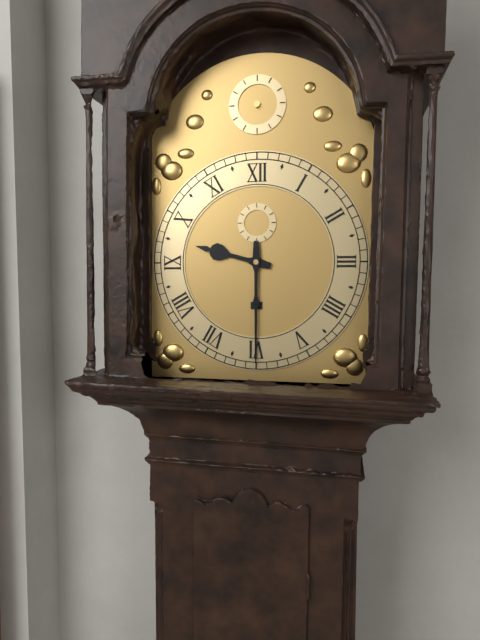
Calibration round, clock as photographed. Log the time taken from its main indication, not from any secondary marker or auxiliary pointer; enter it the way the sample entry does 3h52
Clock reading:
9h30
